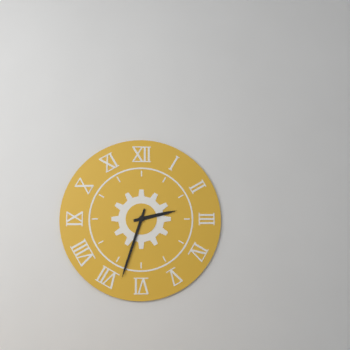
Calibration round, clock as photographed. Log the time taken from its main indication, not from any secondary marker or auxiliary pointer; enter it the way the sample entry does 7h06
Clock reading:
2h33
